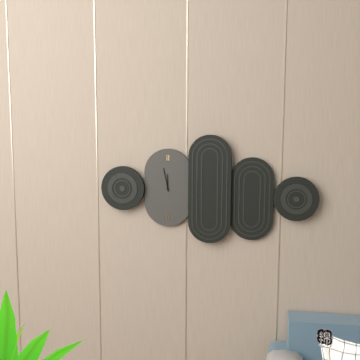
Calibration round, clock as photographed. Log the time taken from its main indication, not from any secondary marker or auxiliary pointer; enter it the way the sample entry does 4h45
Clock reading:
11h58
